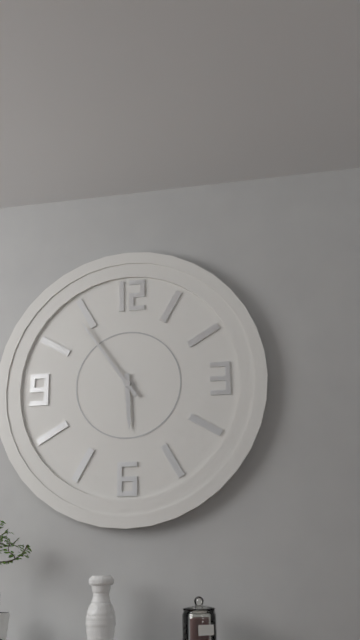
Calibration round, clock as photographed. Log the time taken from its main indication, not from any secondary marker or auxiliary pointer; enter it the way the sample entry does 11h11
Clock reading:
5h54
